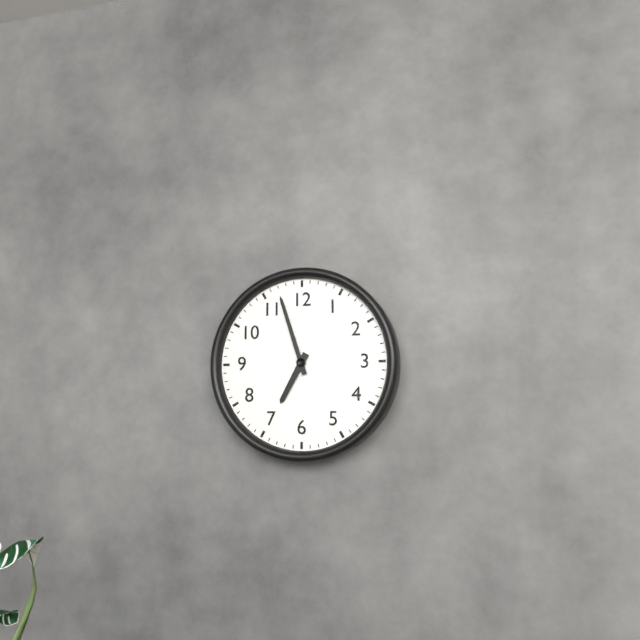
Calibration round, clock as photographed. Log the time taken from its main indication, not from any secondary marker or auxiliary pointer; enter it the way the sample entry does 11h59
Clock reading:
6h57
